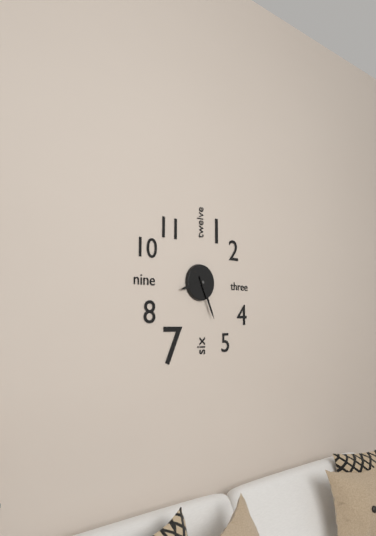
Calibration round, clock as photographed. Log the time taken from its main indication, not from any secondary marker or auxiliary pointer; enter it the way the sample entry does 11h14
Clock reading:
8h26
